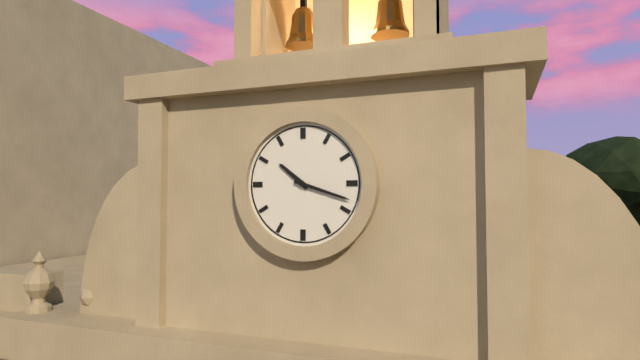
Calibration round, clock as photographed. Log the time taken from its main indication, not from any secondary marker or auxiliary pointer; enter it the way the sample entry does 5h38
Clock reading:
10h18
